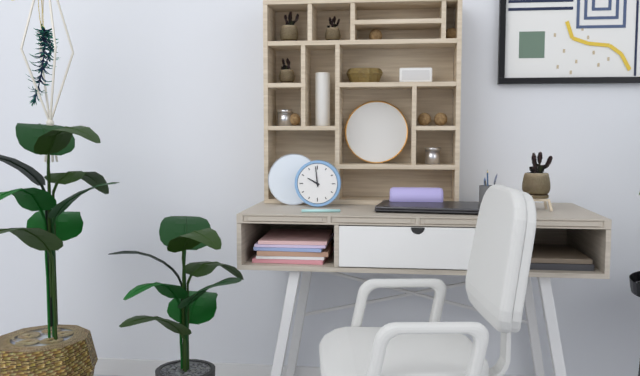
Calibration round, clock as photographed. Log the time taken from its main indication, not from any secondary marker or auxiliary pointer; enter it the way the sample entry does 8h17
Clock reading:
9h59
